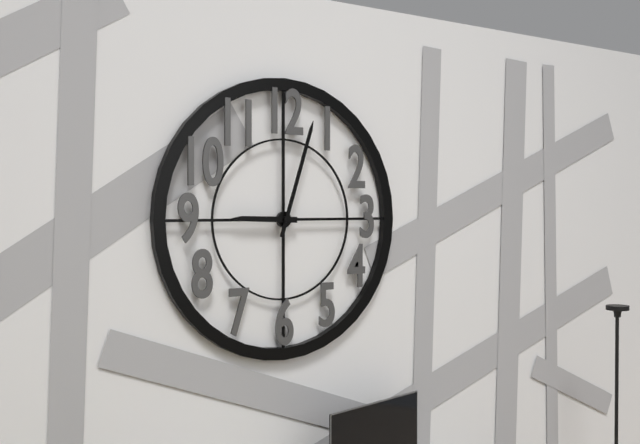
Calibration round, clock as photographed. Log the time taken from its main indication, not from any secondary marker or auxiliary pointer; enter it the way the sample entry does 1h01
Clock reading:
9h03
